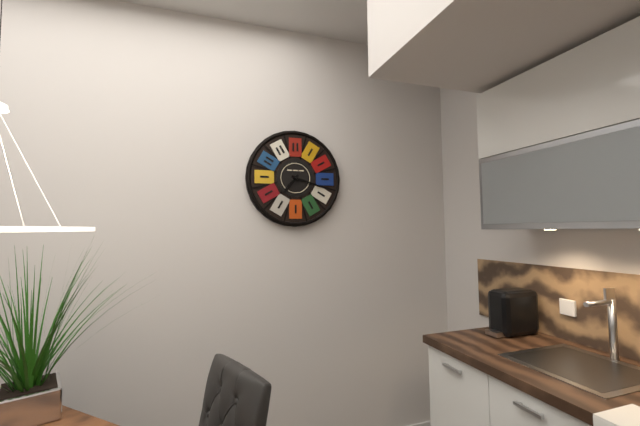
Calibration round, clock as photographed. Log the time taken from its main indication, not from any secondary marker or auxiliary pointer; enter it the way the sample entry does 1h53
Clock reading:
7h18
